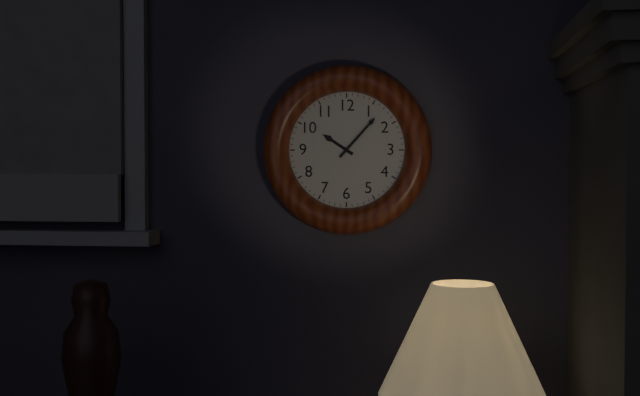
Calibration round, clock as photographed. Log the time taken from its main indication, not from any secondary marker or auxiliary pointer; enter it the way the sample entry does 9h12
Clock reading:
10h07
